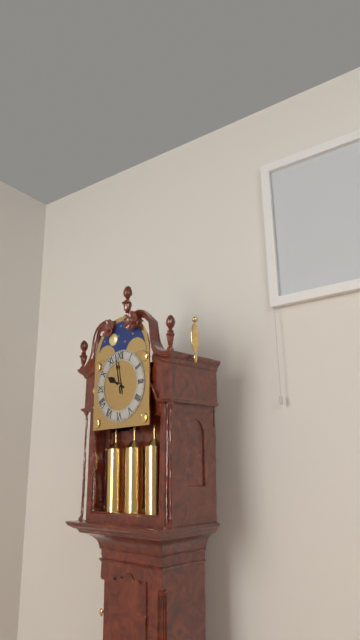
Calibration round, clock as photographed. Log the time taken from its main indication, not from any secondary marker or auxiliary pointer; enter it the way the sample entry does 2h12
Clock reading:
9h58
